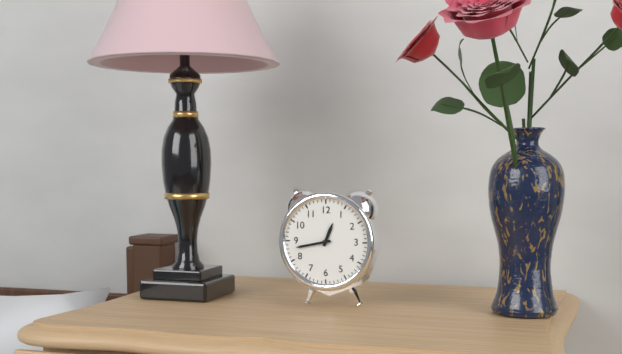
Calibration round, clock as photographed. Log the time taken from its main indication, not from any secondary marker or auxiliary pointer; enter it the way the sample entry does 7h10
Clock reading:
12h43
